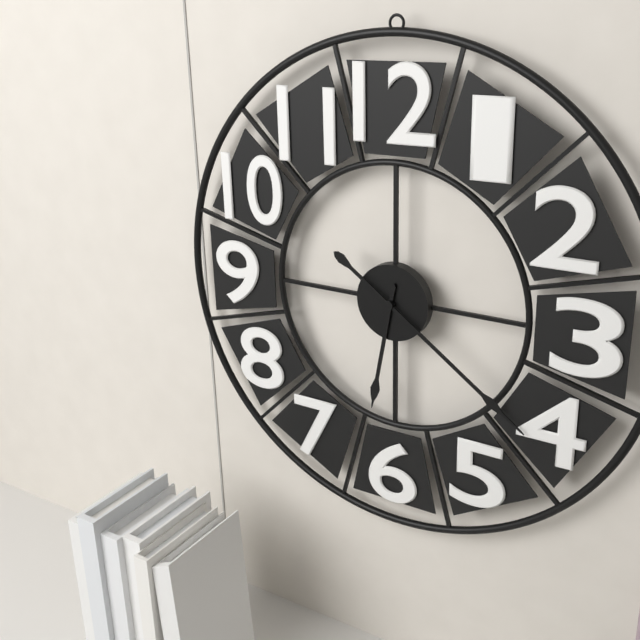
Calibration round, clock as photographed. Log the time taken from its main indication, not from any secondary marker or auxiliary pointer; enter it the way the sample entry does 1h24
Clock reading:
6h21
